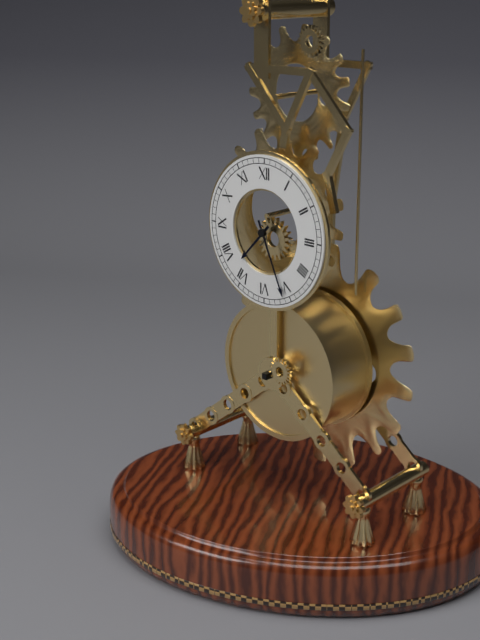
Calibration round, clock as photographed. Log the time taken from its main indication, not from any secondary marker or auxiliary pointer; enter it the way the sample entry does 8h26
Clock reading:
7h26
